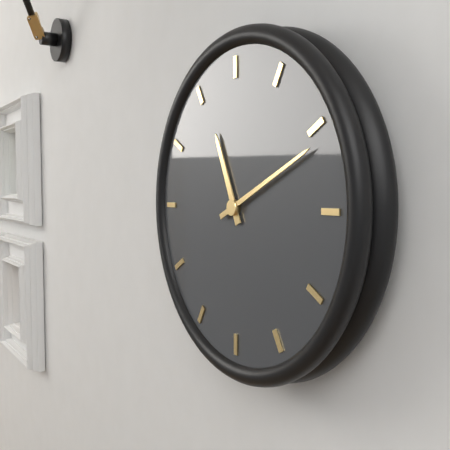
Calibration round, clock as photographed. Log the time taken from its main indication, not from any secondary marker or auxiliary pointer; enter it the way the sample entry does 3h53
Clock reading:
11h11
